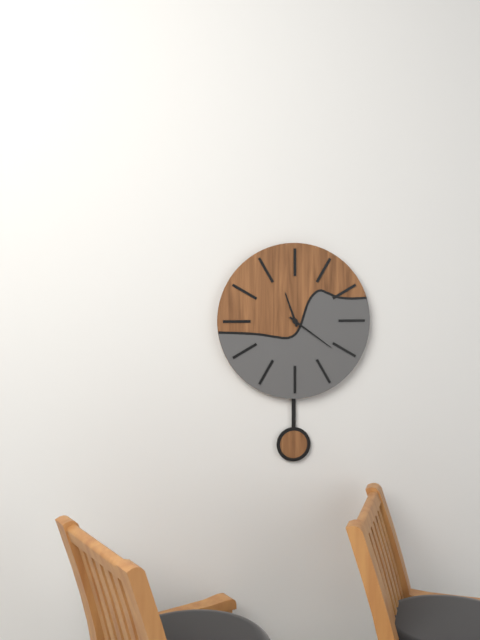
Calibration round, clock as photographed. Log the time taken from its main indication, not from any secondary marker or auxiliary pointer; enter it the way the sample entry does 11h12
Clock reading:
11h21
